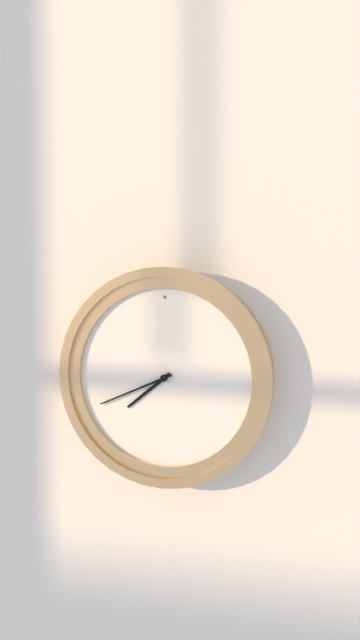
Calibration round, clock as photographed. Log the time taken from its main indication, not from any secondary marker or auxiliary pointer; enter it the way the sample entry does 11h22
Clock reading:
7h41
